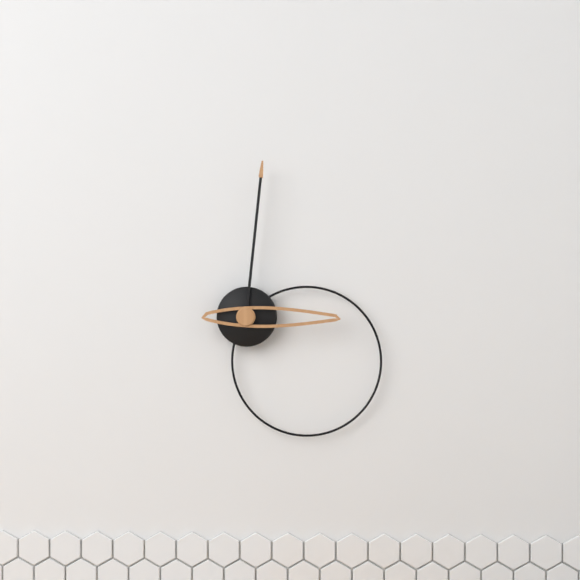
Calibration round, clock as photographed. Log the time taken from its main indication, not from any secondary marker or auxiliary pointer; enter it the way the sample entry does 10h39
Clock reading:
3h01
